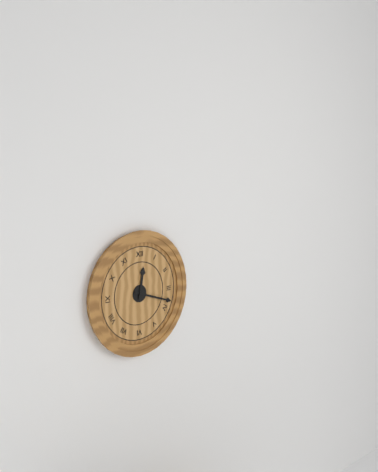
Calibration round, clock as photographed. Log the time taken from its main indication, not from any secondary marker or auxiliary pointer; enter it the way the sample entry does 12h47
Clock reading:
12h18
